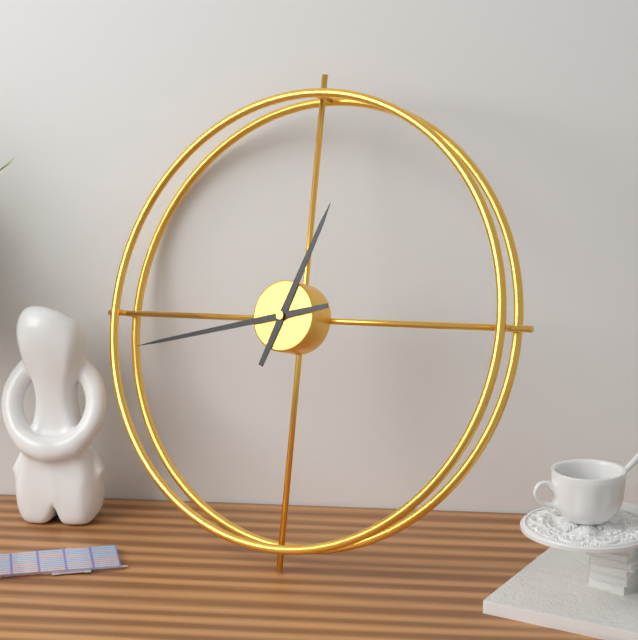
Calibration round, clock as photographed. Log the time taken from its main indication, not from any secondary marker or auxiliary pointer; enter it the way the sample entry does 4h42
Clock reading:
12h43
